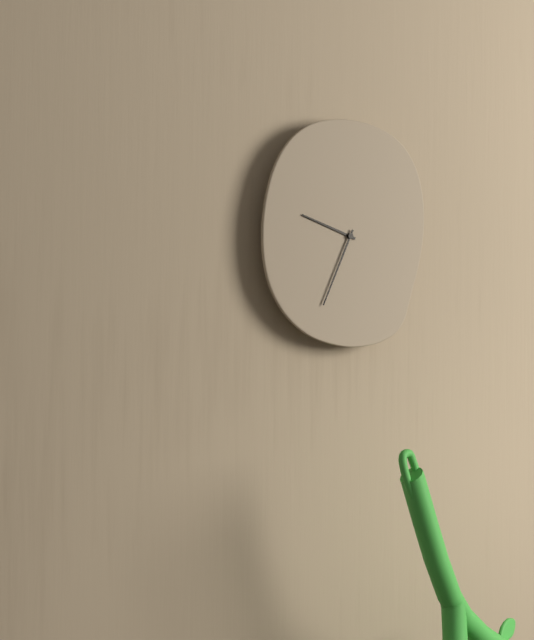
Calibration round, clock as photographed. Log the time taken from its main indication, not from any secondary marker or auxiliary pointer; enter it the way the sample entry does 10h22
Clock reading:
9h34
